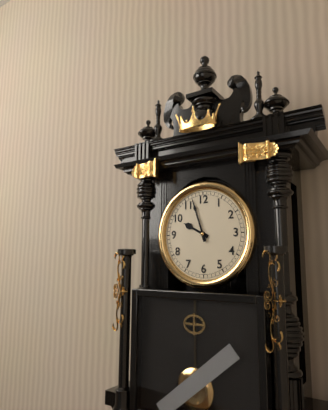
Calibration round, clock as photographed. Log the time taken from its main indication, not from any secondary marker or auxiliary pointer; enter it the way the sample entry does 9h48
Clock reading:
9h57
